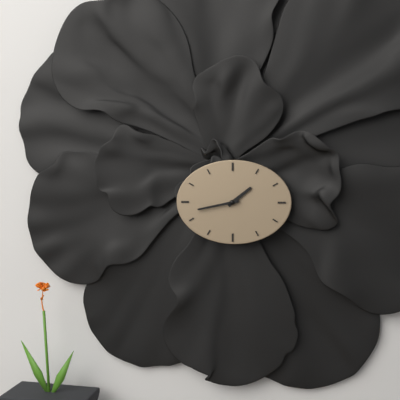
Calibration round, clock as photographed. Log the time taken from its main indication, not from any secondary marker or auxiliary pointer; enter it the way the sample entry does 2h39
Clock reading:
1h43
